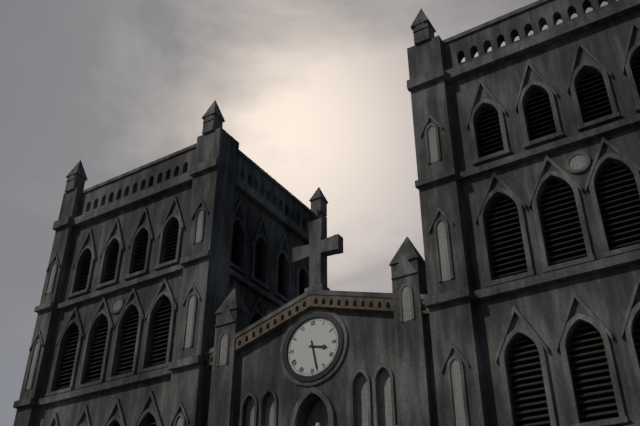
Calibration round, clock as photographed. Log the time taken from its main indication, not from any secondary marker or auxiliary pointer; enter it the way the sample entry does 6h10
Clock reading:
3h28
